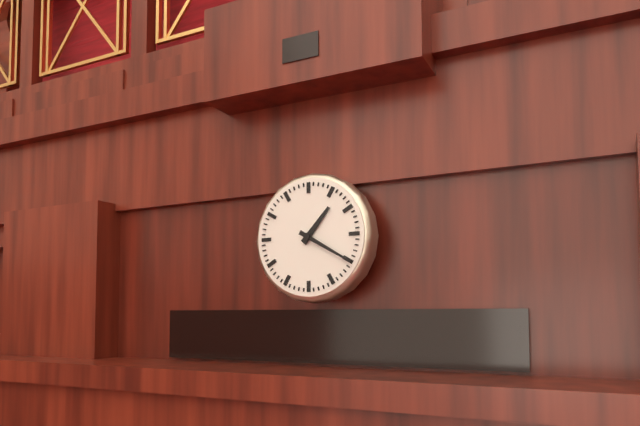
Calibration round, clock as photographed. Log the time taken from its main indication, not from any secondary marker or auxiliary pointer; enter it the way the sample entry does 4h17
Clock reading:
1h20
